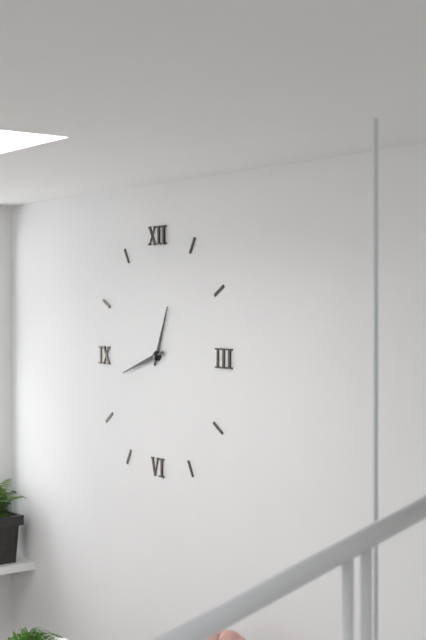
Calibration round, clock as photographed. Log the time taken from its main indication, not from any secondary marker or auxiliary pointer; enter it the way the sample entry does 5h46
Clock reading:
12h42
